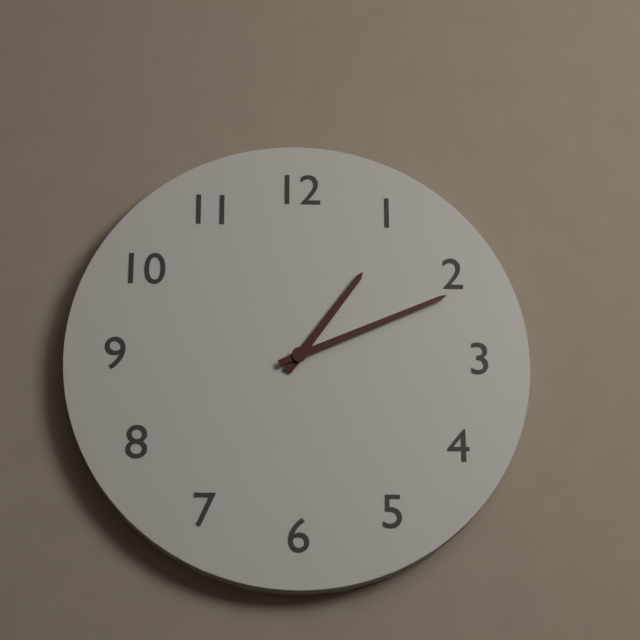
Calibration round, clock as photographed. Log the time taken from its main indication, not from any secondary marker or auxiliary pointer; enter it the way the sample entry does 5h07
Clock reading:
1h11
